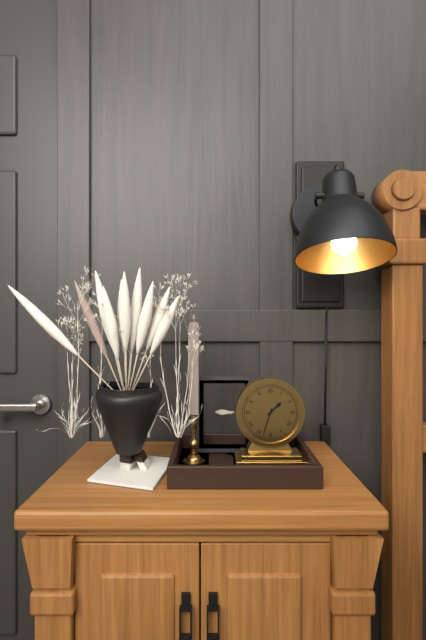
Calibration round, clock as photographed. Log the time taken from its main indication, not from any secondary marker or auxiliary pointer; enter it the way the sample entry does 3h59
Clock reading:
1h33
